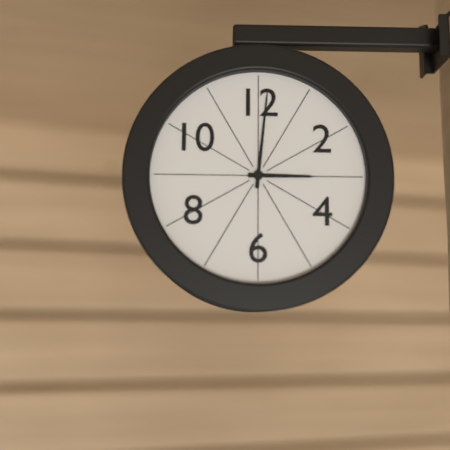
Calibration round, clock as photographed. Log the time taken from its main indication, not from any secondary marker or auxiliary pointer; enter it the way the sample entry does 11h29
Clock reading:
3h01
